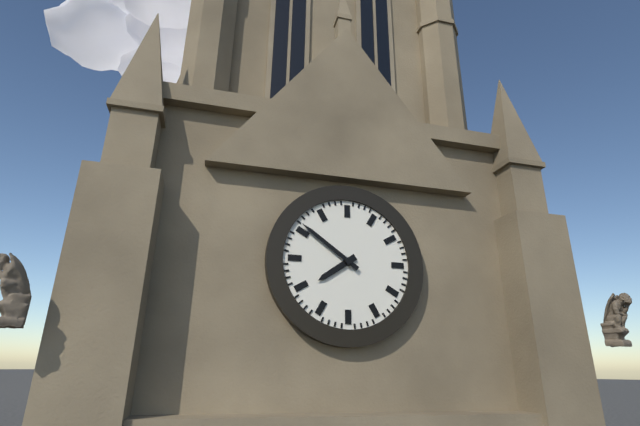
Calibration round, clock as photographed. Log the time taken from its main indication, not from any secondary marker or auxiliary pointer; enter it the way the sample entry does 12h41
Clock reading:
7h51
